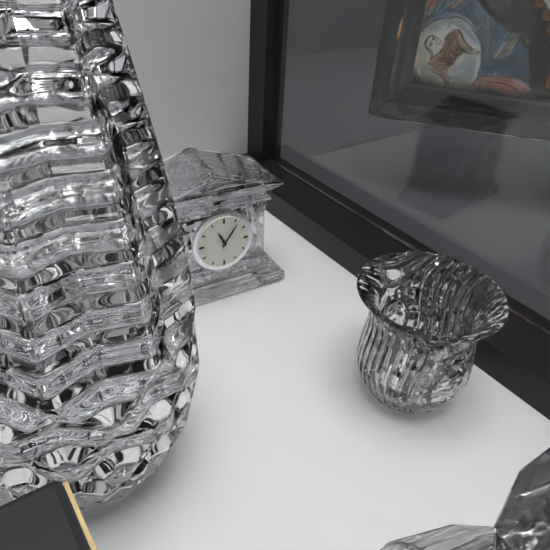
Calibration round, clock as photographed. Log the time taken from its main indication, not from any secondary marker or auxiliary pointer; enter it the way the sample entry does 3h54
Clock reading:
11h06
